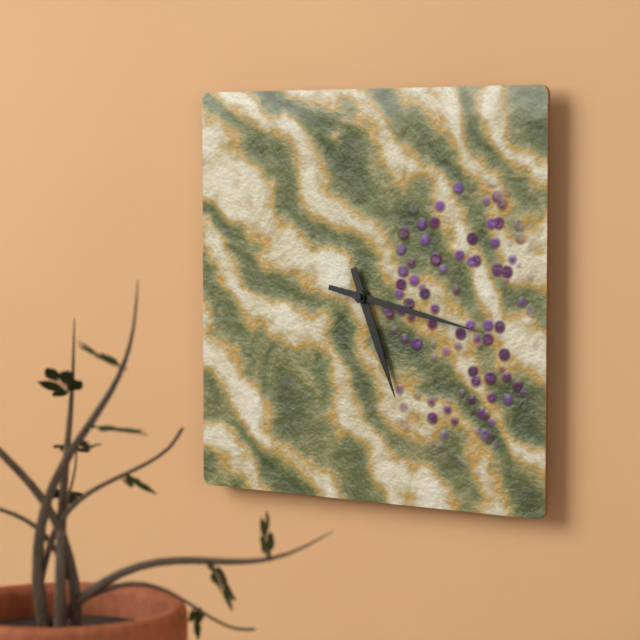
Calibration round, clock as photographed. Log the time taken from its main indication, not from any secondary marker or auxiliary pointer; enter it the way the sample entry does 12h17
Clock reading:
5h17
